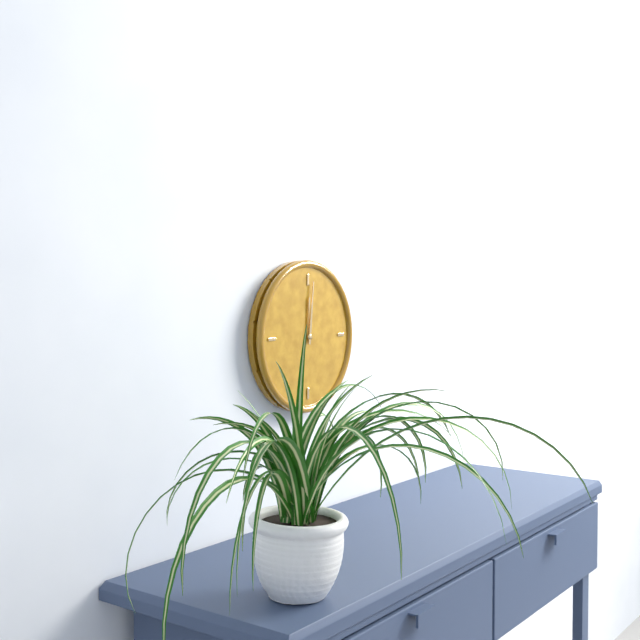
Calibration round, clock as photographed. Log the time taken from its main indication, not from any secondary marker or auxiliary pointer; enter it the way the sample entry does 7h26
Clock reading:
12h01
